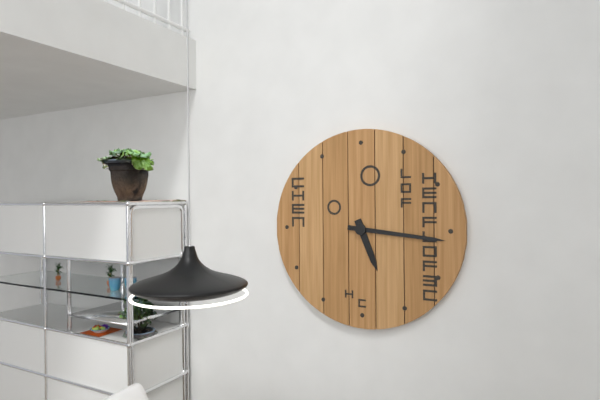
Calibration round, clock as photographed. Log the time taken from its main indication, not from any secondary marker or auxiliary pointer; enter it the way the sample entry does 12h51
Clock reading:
5h16
